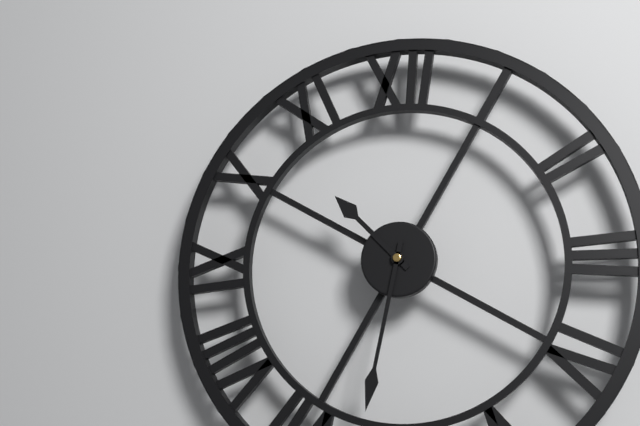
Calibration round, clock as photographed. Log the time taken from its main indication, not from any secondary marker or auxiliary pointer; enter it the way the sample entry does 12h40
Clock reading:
10h32
